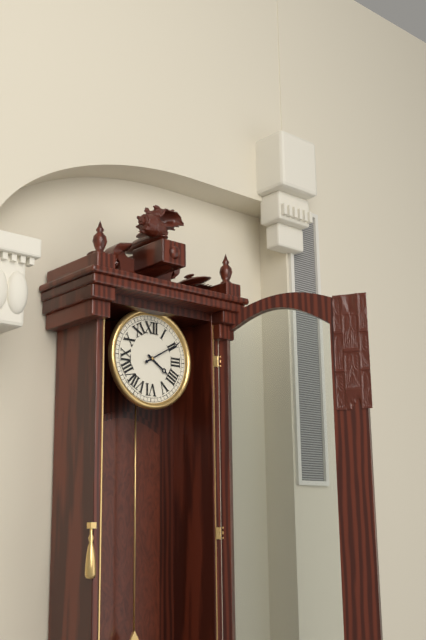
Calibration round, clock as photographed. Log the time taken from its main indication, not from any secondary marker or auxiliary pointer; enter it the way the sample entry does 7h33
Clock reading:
4h10
